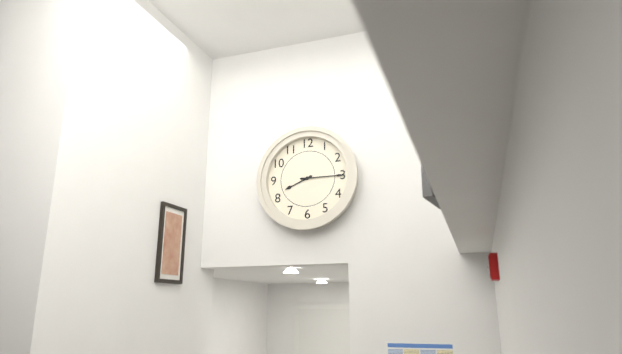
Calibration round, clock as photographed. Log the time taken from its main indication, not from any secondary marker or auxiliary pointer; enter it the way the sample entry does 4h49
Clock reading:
8h15
